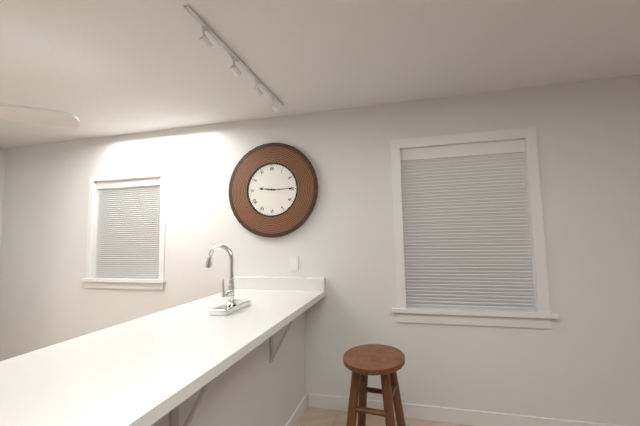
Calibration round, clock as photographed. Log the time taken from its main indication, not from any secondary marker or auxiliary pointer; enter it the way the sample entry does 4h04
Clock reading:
9h15
